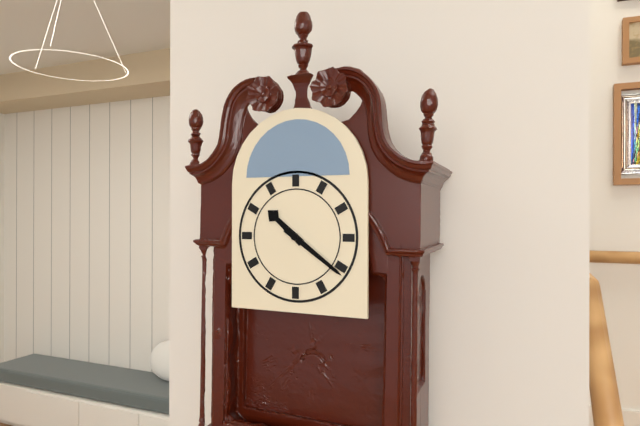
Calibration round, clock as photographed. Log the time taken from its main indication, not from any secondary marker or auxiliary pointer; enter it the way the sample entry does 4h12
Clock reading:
10h21
